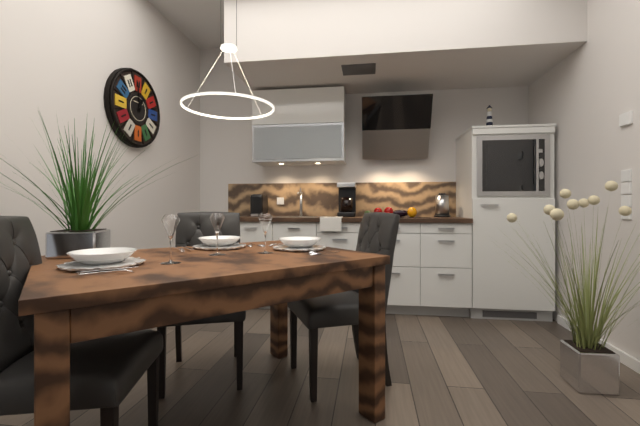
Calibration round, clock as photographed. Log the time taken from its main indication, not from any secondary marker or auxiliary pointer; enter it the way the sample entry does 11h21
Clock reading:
12h59
